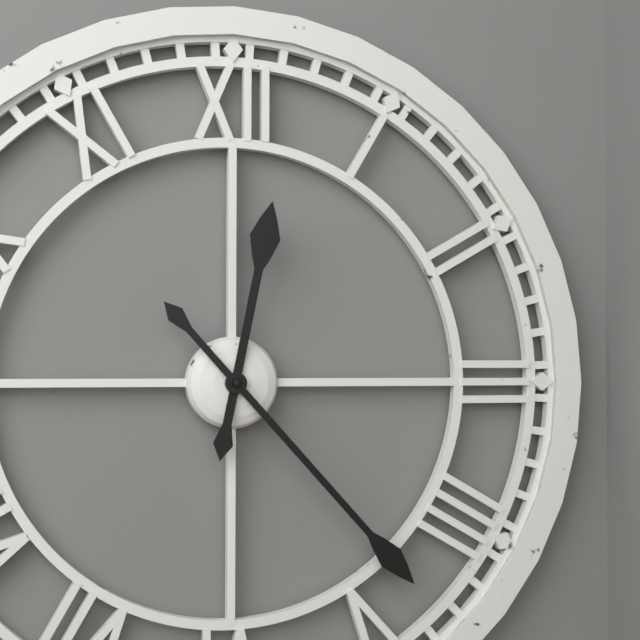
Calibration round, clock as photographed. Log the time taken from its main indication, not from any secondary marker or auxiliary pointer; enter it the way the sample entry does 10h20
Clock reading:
12h23
